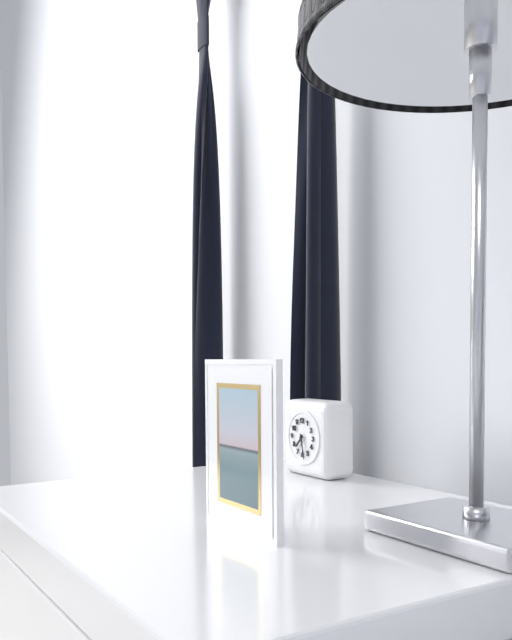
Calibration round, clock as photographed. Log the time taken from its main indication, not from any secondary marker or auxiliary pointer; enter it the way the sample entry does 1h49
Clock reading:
7h28
